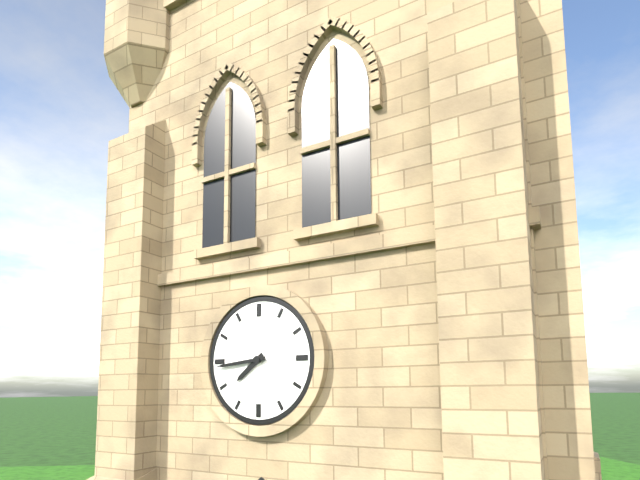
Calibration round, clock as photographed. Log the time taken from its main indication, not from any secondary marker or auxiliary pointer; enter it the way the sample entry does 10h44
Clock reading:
7h44
